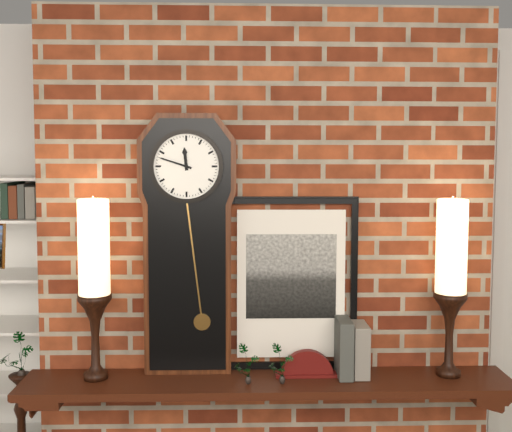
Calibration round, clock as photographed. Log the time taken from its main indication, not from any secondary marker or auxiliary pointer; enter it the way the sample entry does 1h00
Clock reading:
11h48
